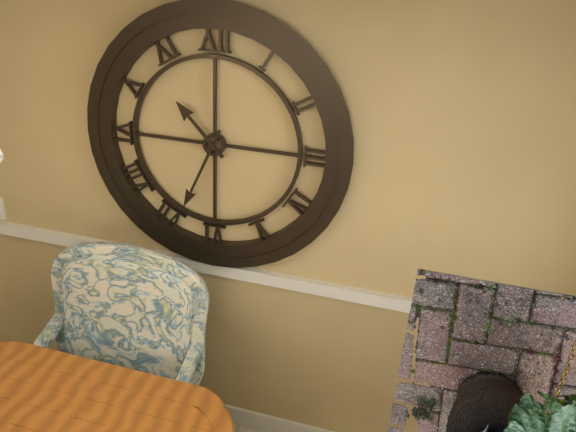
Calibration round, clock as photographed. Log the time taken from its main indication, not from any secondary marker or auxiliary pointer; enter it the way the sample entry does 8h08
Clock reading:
10h34
